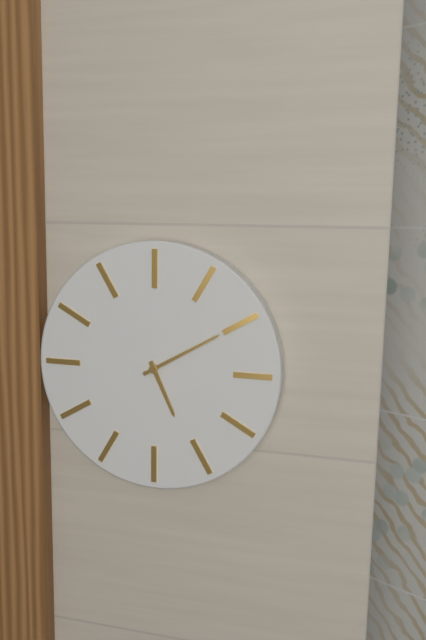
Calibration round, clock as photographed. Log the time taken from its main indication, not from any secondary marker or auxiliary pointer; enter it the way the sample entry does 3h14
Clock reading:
5h10
